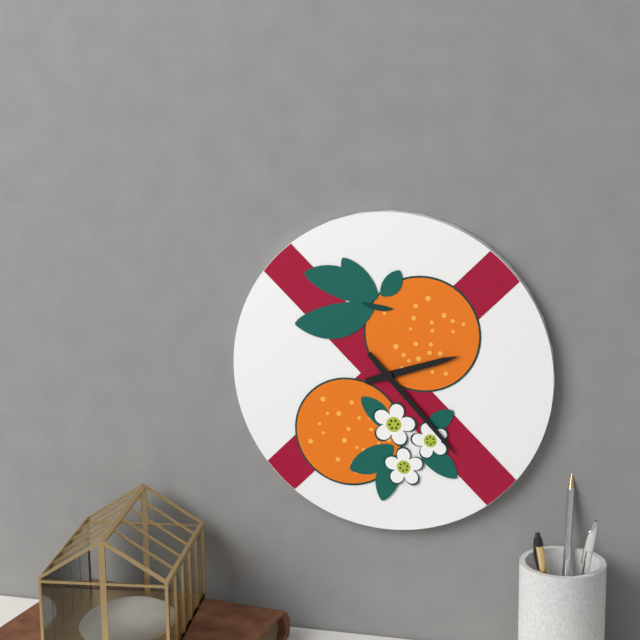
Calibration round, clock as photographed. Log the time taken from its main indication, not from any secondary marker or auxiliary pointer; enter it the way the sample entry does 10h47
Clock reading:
2h23
